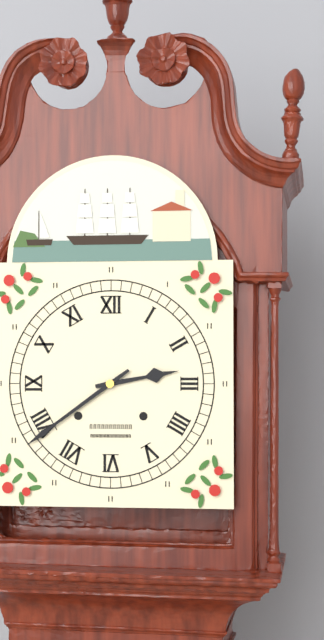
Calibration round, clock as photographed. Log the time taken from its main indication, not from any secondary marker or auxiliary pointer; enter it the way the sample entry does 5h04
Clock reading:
2h39
